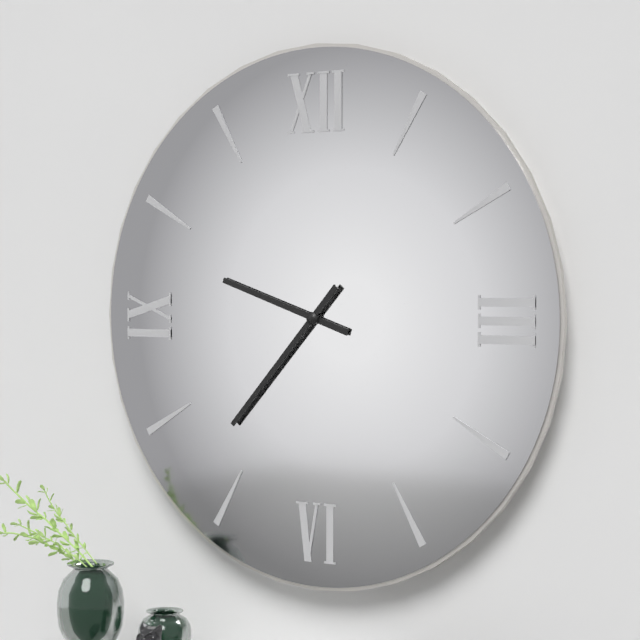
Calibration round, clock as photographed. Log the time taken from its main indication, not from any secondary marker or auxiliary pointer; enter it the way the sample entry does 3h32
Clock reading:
9h37
